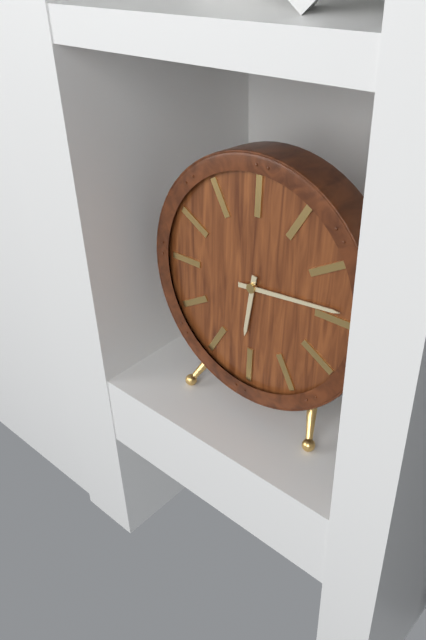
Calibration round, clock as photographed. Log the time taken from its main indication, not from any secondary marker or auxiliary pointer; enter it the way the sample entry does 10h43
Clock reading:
6h14
